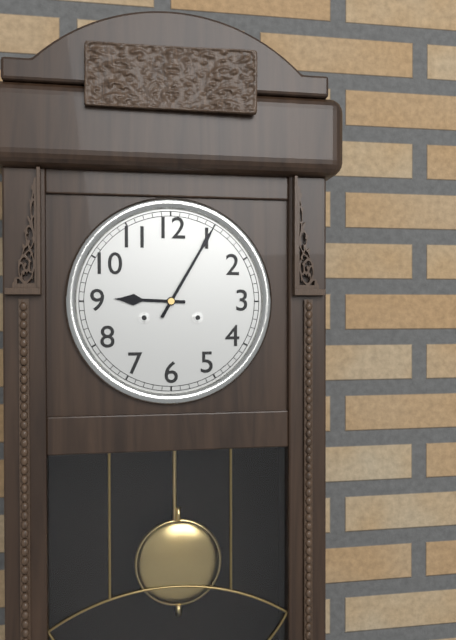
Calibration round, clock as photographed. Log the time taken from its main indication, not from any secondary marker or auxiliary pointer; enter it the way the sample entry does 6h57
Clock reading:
9h05
